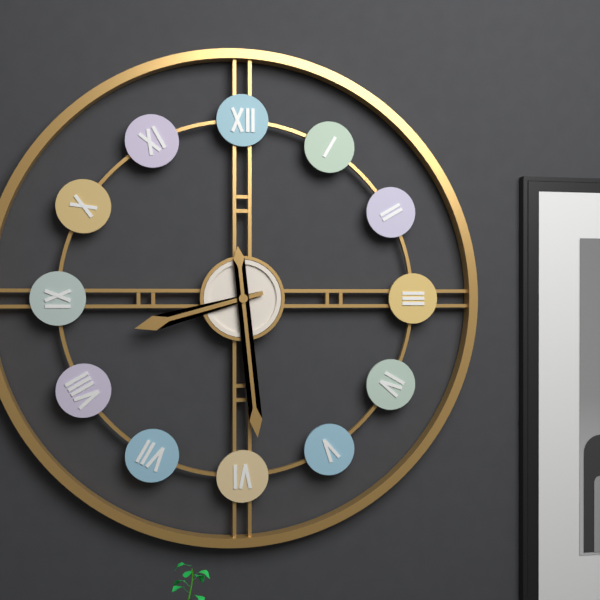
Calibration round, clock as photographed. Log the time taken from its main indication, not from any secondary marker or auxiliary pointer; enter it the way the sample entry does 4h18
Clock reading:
8h29
